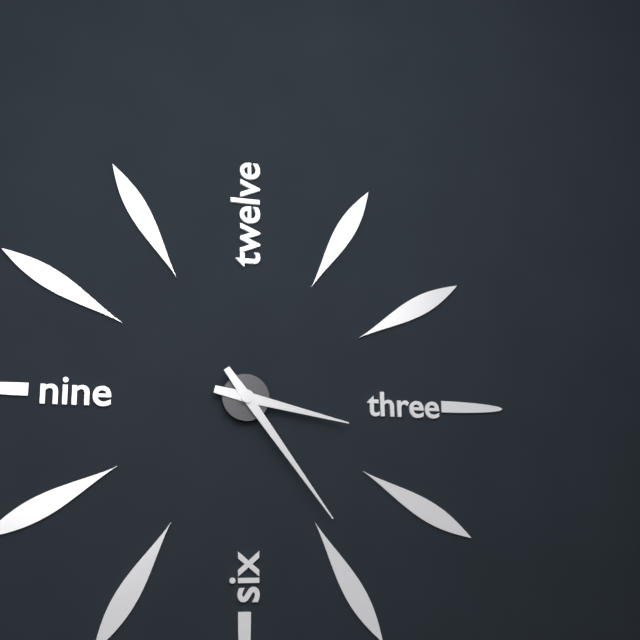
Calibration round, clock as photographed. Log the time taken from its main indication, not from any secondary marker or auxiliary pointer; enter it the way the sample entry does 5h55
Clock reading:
3h24
